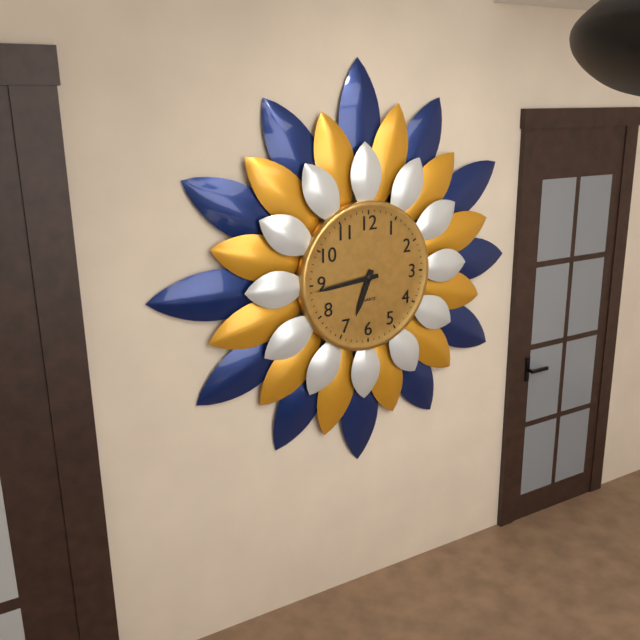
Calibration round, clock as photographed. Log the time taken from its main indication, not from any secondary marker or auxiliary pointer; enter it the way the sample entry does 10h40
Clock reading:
6h44
